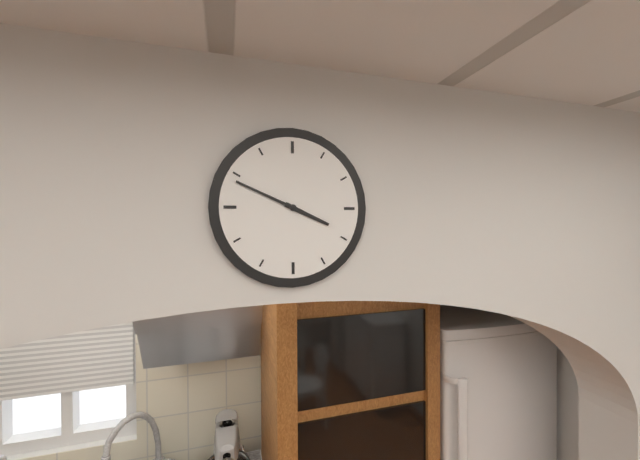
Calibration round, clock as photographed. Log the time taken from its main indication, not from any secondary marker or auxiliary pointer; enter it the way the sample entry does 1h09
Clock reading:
3h49
